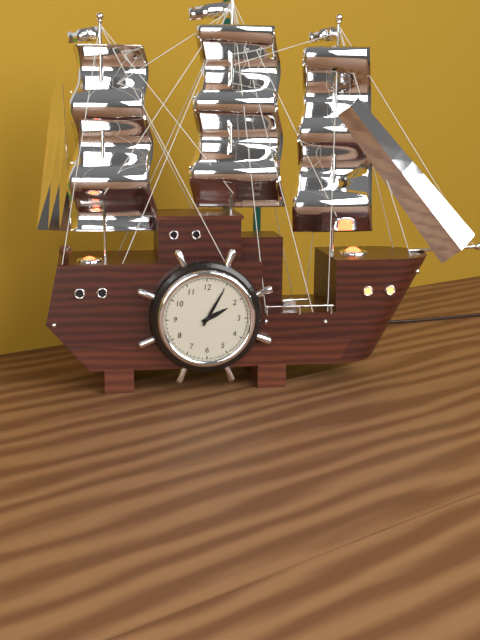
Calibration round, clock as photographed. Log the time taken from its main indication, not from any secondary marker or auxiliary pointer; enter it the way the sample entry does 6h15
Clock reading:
2h05
